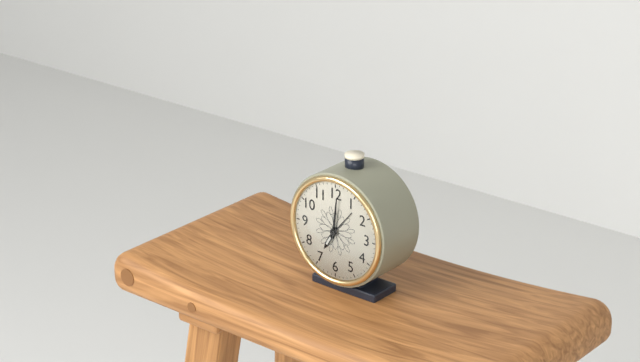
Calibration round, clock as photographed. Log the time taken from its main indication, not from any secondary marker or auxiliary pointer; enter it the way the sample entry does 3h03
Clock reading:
7h01
